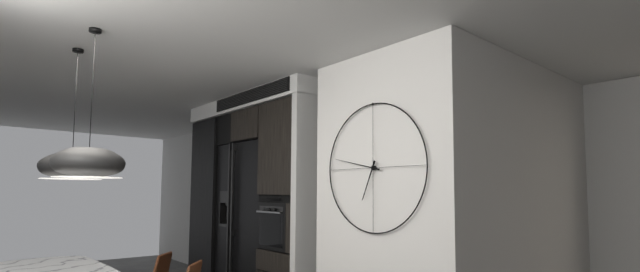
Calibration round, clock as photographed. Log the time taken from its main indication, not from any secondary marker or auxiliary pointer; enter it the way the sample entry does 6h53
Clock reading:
6h47
